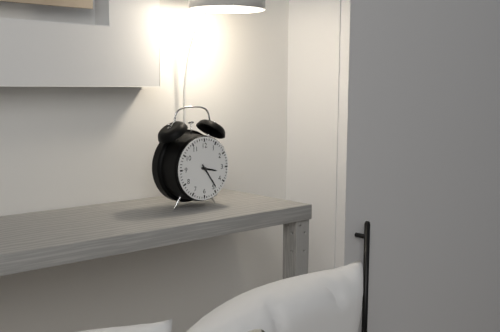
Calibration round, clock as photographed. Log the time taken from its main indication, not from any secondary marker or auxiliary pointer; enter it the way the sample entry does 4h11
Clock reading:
3h24
